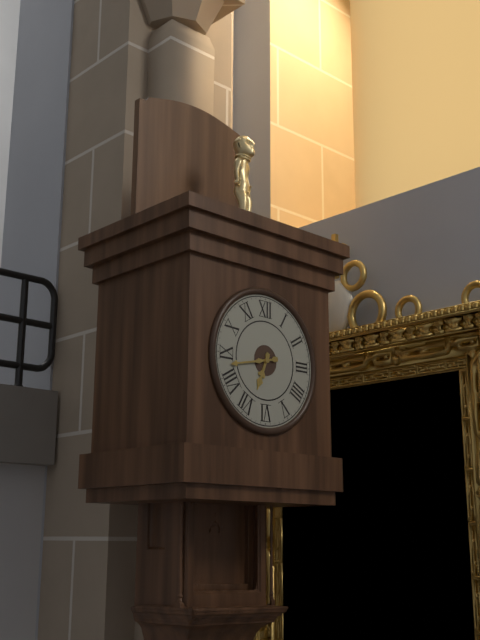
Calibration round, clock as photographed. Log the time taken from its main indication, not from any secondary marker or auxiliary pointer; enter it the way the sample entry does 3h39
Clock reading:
6h43
